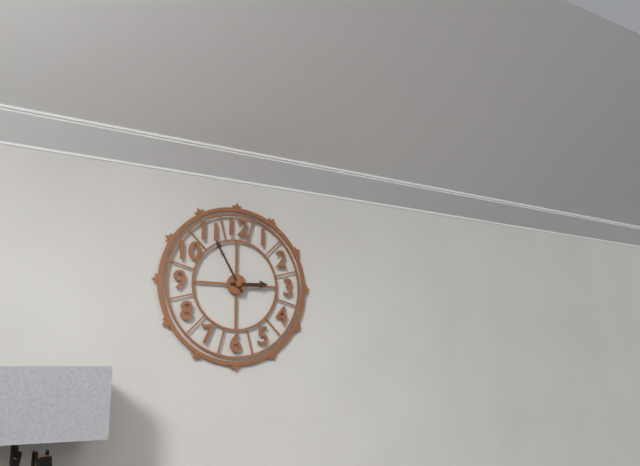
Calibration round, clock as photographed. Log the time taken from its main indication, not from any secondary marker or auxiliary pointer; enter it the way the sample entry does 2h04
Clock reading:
2h55
